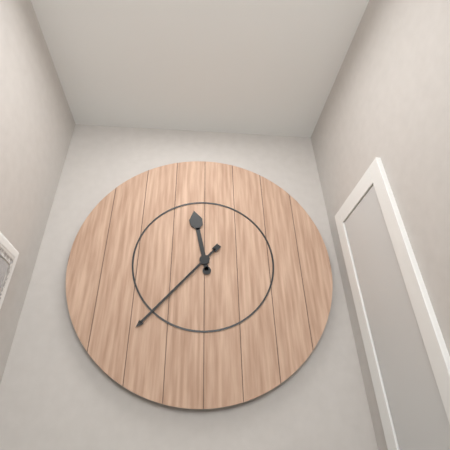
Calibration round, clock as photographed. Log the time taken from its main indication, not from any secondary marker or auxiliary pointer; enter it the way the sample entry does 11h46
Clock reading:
11h37
